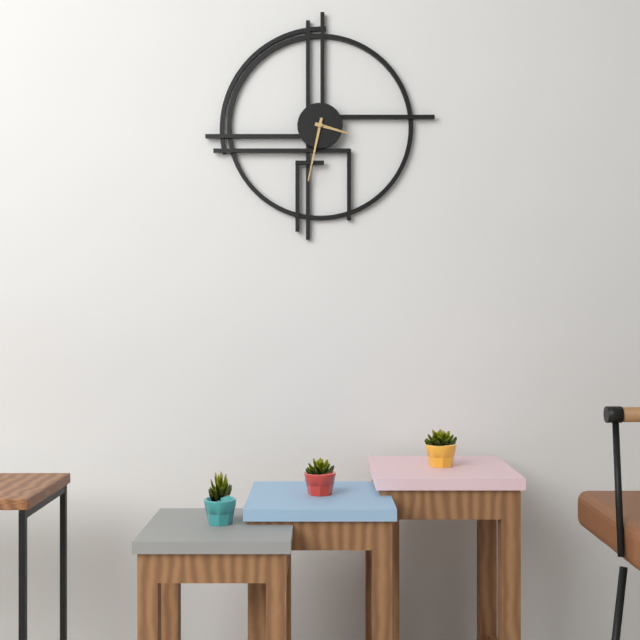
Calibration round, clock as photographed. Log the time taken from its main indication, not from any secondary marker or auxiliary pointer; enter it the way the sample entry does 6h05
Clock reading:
3h32
